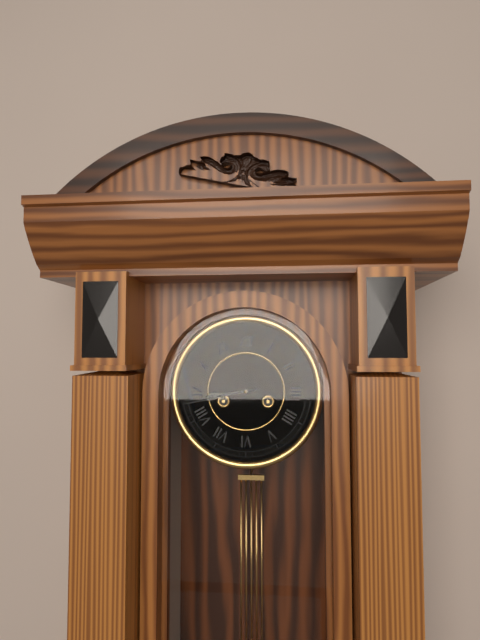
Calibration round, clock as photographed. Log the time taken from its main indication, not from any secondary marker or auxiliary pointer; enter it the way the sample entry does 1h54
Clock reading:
8h43
